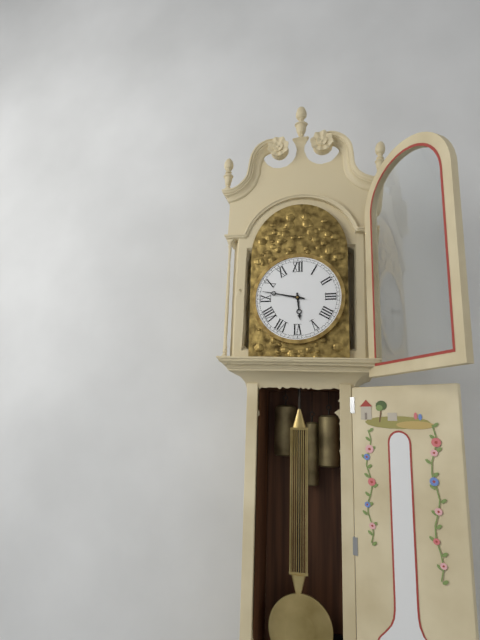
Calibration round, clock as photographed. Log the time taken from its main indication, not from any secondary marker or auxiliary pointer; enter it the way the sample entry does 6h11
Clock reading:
5h47
